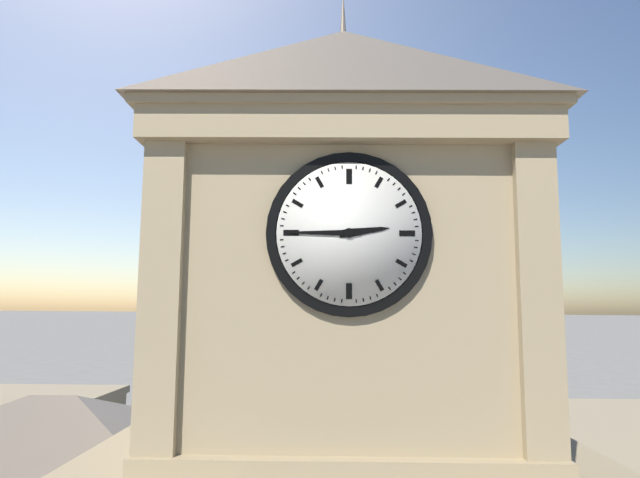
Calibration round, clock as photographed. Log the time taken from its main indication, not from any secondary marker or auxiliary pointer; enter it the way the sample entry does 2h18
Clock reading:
2h45
